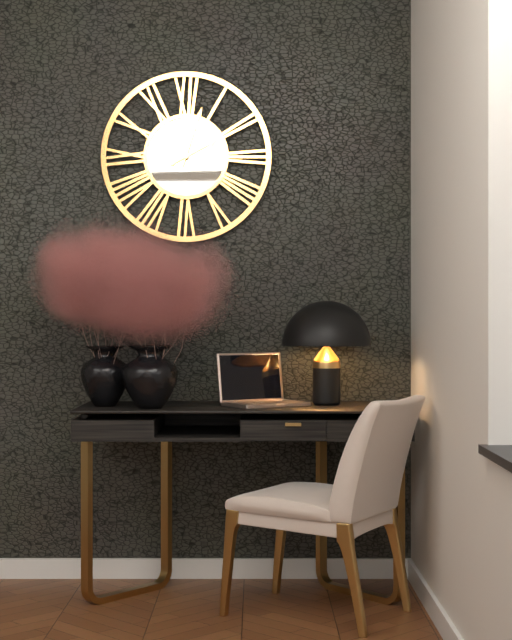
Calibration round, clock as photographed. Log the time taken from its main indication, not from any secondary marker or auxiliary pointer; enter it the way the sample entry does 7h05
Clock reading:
2h03
